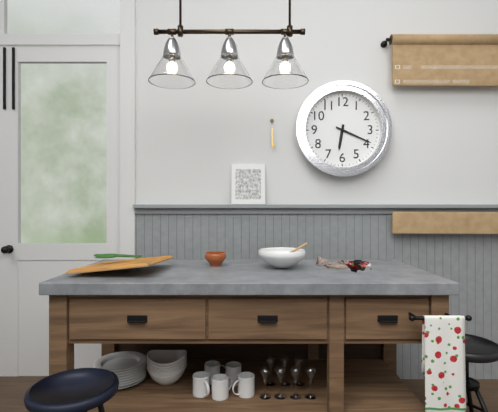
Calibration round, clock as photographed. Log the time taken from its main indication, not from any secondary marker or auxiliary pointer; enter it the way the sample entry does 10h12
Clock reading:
6h19
